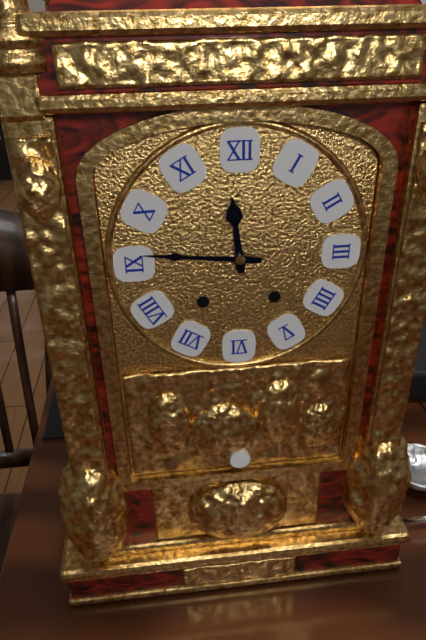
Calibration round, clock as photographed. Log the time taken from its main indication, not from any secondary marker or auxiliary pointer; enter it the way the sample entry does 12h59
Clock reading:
11h46
